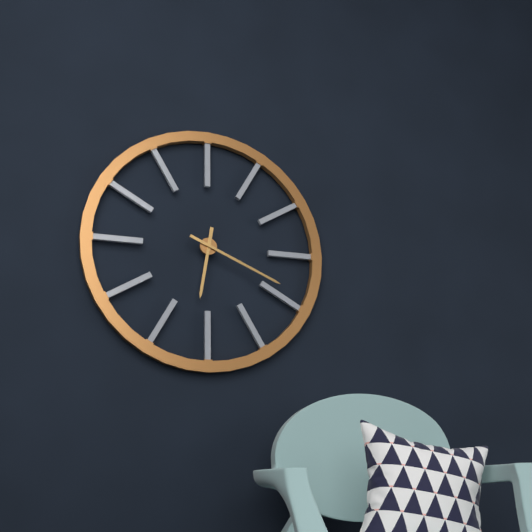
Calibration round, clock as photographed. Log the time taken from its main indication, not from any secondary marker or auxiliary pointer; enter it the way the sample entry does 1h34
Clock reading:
6h19
